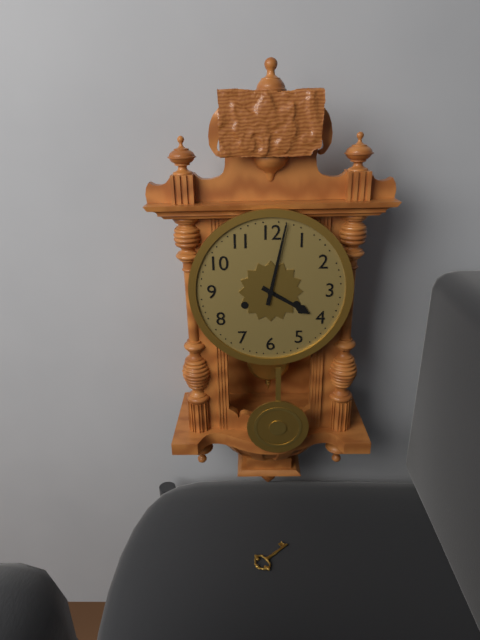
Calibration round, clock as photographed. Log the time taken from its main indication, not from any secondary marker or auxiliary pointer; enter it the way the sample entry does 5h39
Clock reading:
4h02
